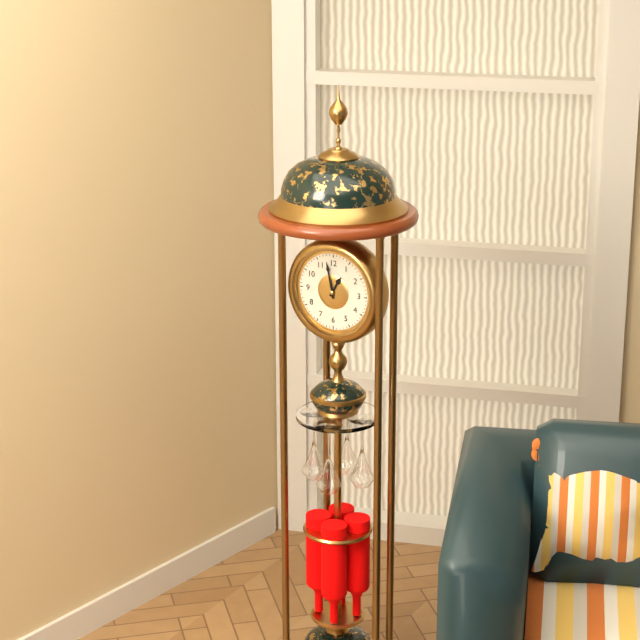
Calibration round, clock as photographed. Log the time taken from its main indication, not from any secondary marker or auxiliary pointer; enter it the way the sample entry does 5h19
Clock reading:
12h58
